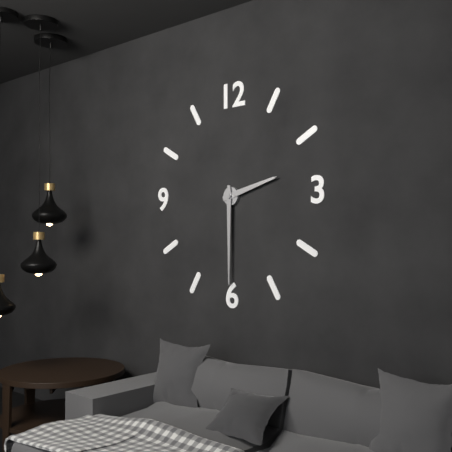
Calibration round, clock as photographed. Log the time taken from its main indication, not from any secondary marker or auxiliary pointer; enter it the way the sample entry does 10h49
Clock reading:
2h30
